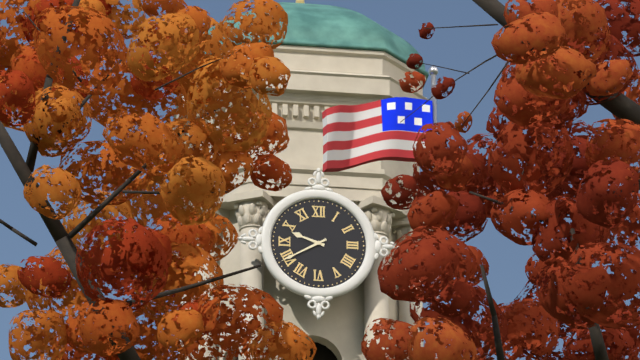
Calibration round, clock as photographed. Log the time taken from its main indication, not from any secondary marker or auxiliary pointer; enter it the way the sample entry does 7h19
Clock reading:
9h40
